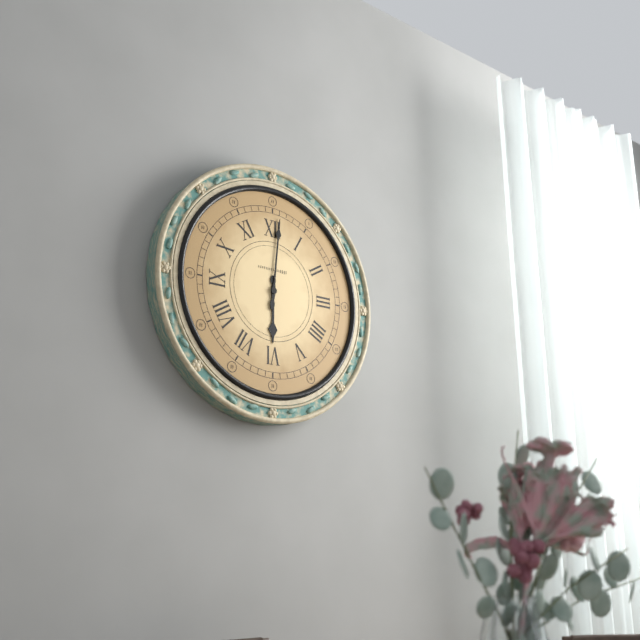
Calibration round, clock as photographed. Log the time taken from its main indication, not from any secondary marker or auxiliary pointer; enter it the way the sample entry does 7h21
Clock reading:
6h01
